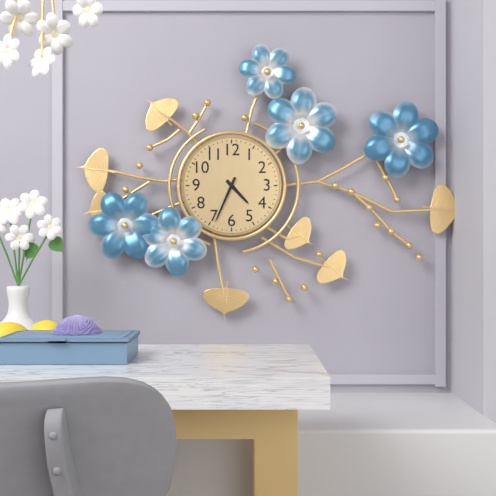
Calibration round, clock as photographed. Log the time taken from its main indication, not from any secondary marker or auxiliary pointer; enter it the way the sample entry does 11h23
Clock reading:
4h34
